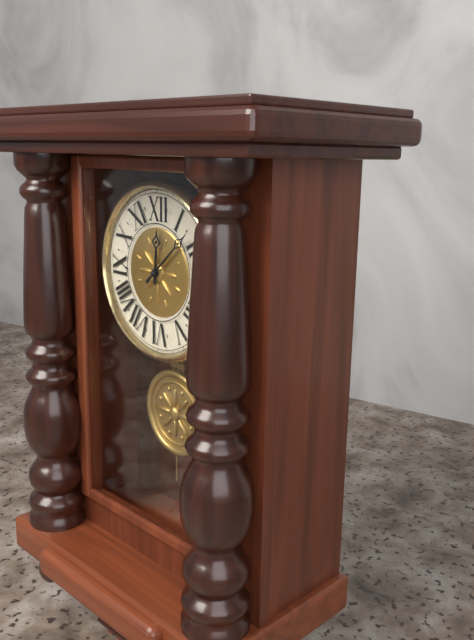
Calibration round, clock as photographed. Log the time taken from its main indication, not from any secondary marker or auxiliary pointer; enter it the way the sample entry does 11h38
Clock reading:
12h08
